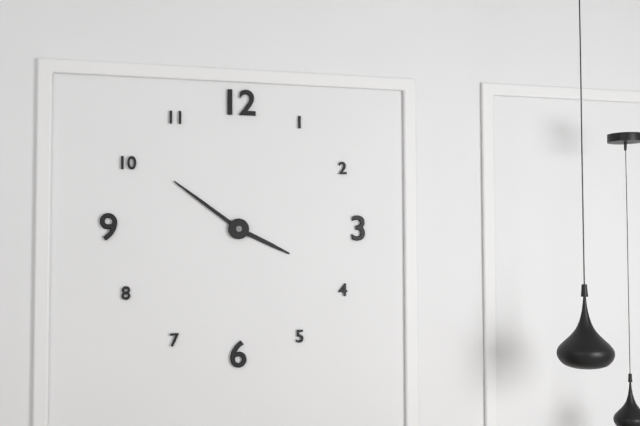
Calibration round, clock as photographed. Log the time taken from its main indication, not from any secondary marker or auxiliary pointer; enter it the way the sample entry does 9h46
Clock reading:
3h51
